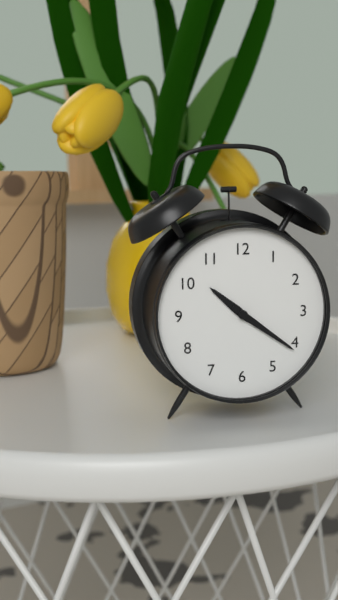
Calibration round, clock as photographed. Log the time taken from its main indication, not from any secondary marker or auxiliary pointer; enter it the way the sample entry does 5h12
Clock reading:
10h21
